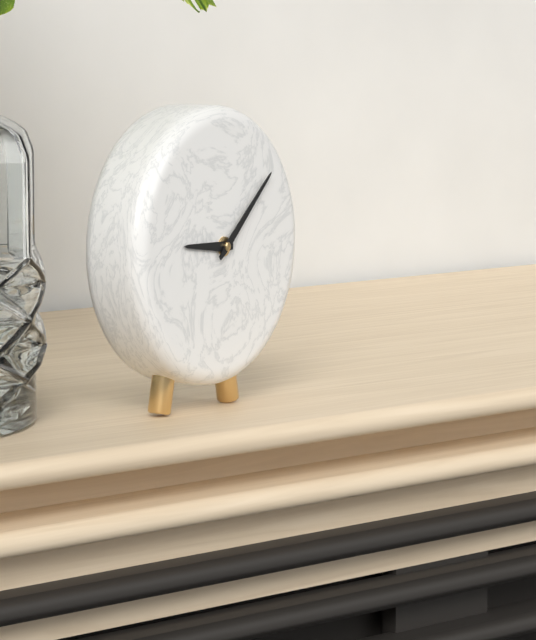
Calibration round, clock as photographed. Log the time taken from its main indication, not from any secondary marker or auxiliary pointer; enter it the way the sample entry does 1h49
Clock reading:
9h08
